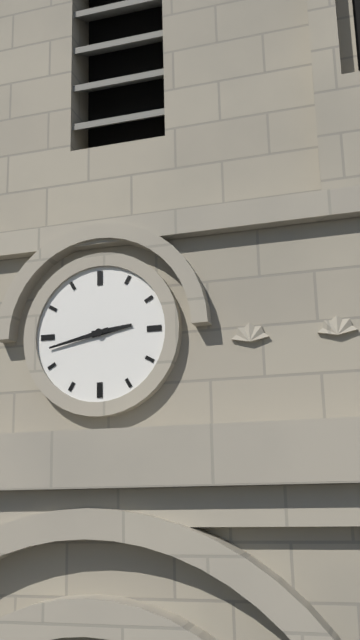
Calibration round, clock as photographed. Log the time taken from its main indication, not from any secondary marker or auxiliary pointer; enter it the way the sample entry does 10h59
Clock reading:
2h43
